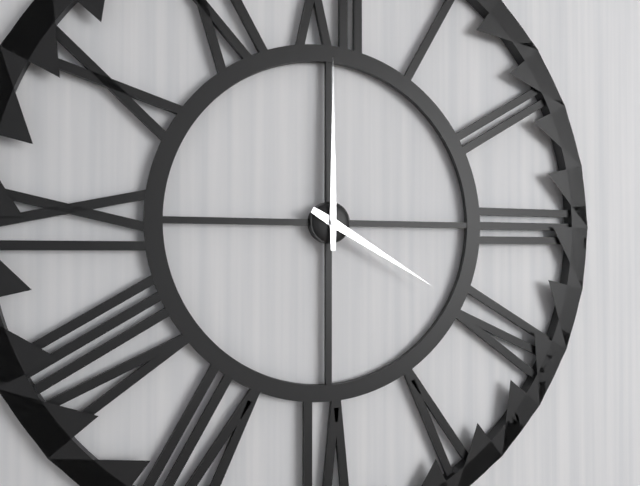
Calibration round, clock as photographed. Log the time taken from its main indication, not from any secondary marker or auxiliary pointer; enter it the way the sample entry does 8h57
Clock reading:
4h00
